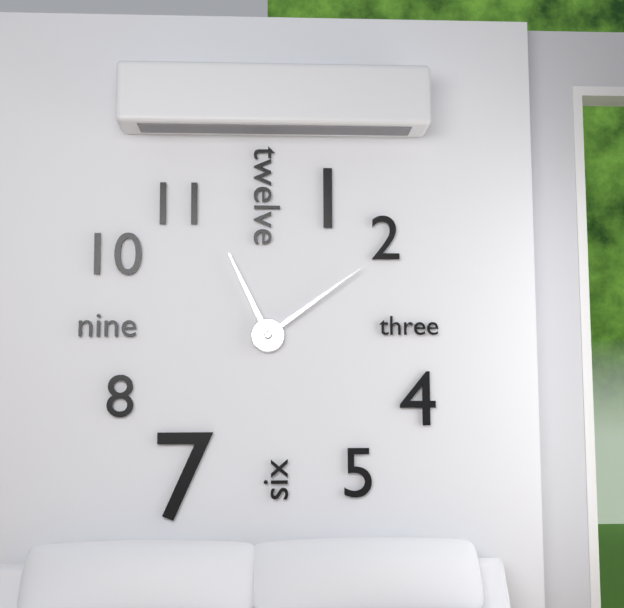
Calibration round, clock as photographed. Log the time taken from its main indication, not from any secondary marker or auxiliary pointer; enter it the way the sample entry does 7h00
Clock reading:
11h09
